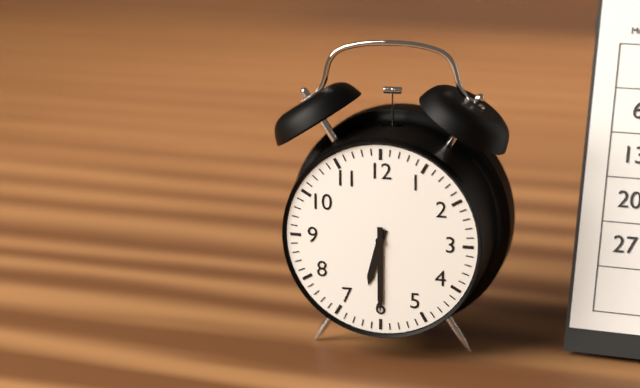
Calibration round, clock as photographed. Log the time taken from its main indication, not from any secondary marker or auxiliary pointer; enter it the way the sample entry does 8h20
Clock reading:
6h30
